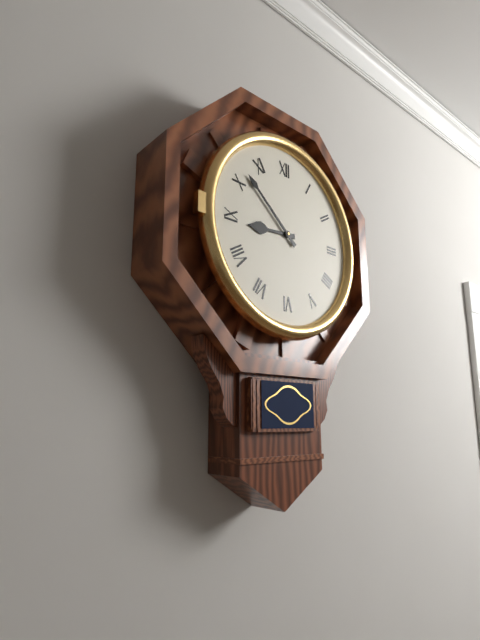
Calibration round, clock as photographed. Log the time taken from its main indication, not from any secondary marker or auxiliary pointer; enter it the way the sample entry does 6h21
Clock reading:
8h52
